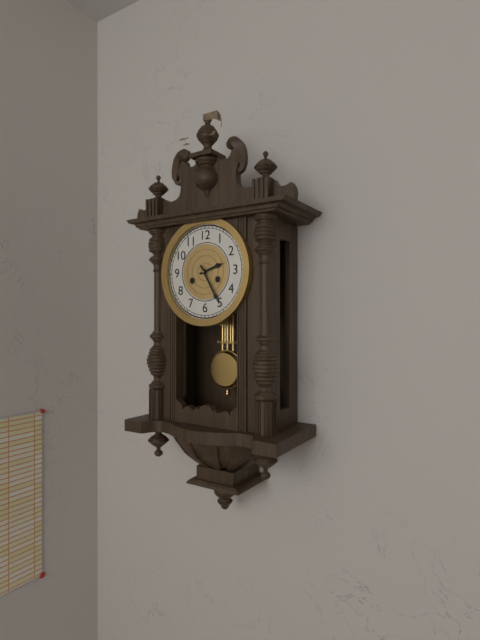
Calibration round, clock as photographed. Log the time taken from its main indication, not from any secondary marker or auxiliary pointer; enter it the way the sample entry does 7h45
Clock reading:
2h25
